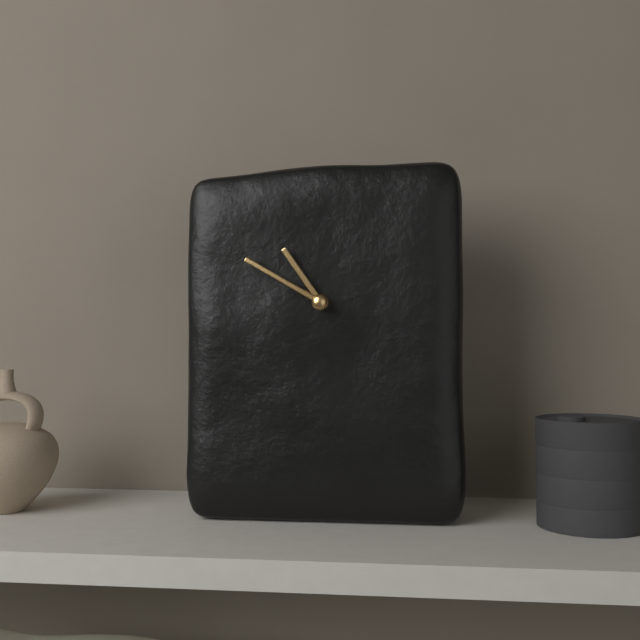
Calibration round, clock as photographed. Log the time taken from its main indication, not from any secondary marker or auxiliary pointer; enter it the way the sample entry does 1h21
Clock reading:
10h50
